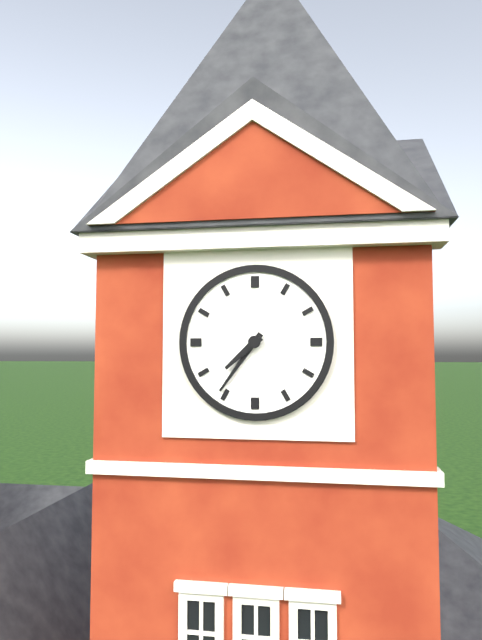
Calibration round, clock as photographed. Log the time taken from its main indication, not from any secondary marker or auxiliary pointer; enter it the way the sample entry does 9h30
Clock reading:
7h36
